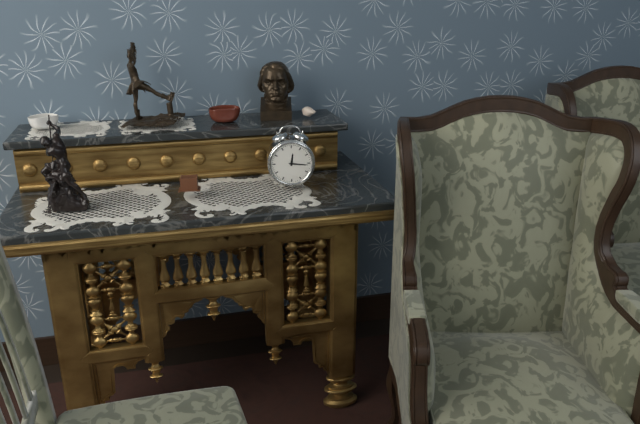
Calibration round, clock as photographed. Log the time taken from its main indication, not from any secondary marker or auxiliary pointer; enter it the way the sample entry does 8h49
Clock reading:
12h16
